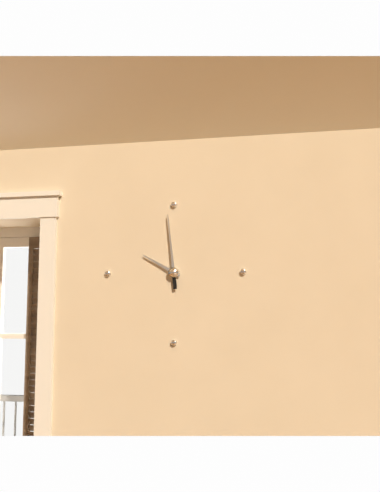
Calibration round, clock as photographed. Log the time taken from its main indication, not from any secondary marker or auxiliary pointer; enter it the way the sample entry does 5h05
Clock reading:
9h59
